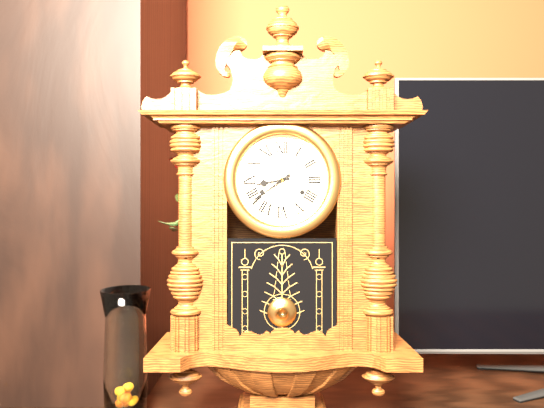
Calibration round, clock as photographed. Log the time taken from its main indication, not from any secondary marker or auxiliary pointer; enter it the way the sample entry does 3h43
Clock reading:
8h39
